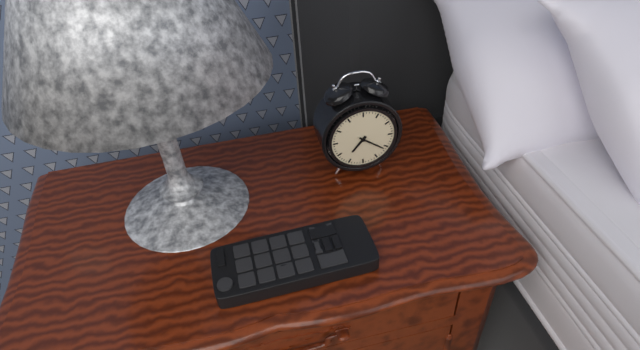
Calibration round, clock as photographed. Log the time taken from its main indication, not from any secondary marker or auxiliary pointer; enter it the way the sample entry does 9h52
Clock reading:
7h21
